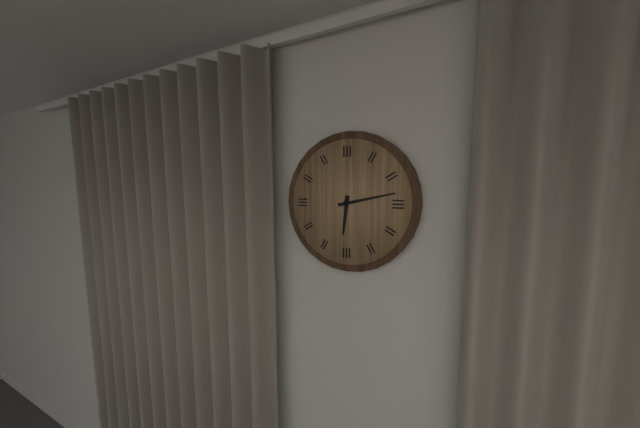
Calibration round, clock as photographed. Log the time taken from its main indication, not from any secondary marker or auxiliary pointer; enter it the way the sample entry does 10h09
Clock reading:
6h13
